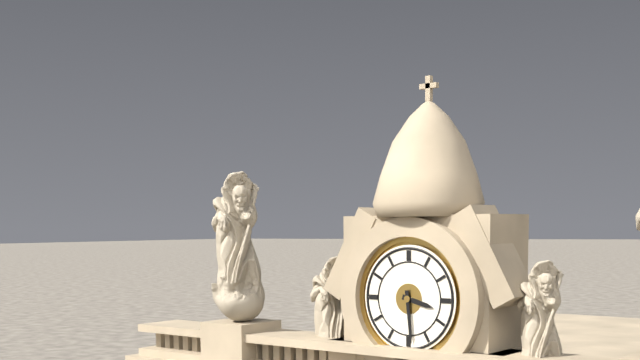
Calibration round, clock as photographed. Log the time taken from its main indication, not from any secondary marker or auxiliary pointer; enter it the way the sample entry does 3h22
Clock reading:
3h29
